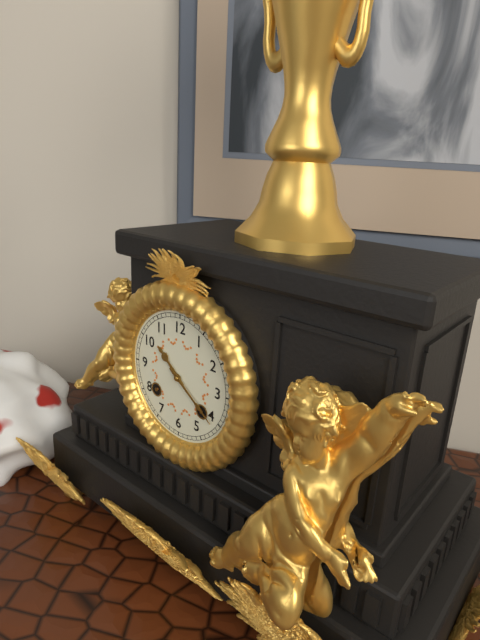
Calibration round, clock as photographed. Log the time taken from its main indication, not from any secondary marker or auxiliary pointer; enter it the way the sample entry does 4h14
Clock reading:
10h21
